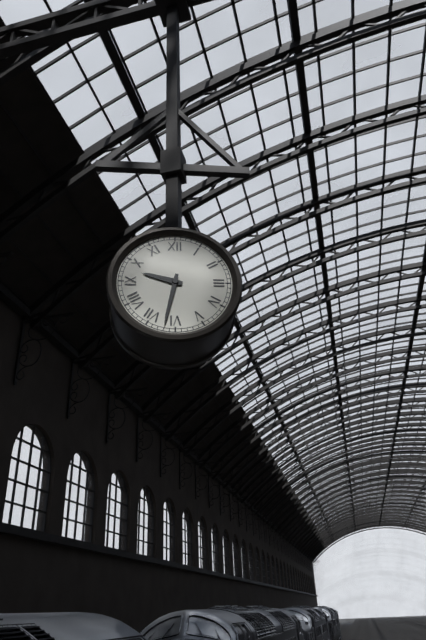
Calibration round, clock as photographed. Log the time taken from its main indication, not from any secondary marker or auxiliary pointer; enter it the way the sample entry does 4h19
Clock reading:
9h32
